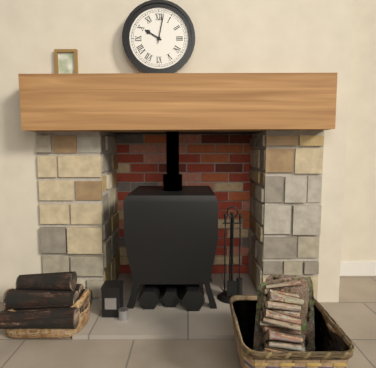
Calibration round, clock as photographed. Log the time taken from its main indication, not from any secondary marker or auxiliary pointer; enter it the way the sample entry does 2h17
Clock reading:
10h02
